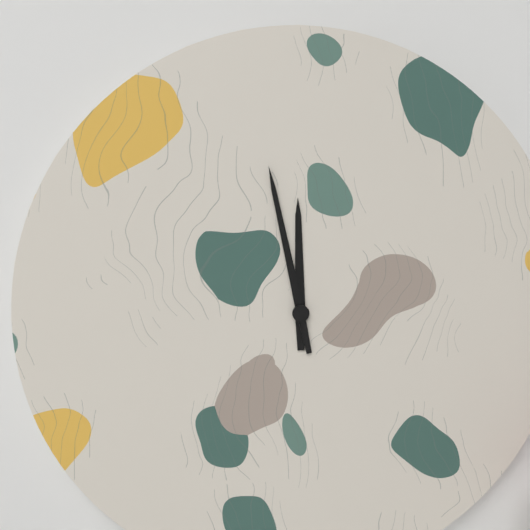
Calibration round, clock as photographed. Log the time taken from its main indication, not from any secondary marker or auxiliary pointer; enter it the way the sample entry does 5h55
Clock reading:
11h58
